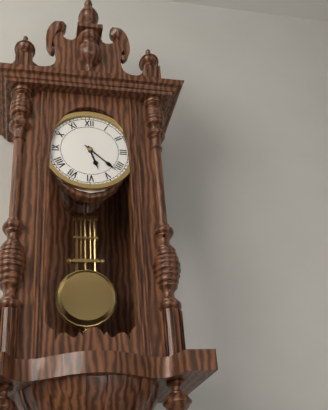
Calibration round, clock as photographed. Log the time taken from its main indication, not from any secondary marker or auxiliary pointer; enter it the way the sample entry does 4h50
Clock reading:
5h22
